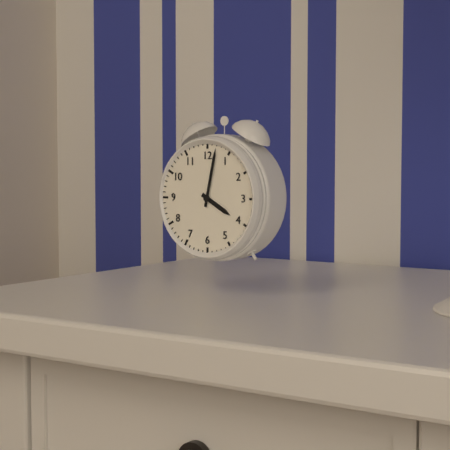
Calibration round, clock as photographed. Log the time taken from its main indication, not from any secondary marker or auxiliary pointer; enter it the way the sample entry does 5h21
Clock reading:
4h02
